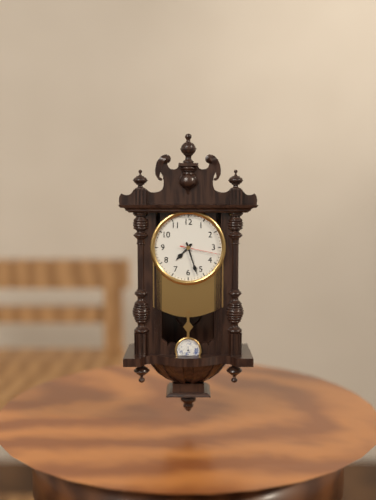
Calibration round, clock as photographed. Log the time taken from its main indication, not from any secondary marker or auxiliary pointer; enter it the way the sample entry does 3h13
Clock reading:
7h27
